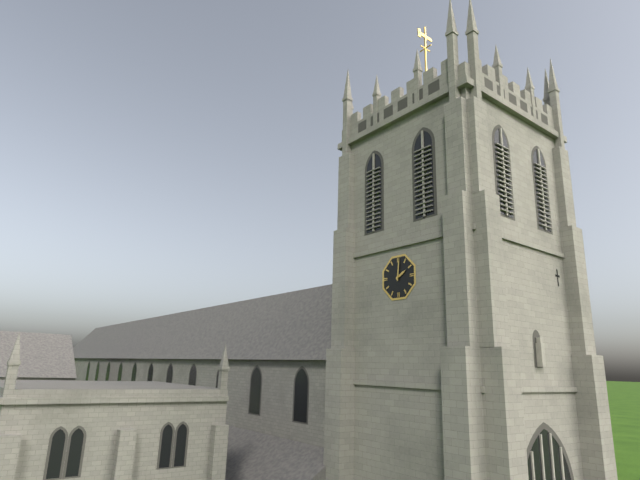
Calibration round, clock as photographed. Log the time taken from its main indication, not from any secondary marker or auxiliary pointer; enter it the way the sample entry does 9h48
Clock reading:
2h01
